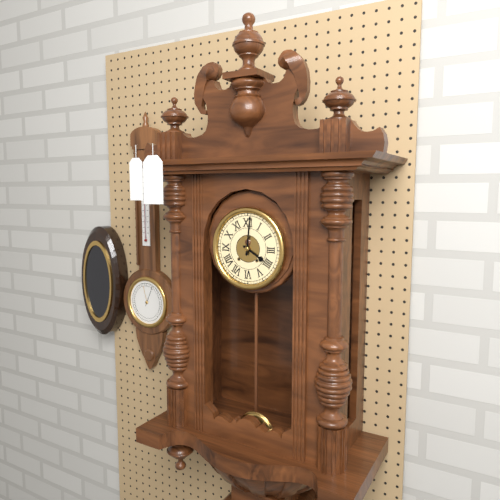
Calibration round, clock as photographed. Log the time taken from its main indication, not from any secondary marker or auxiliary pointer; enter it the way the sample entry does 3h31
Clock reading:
4h01
